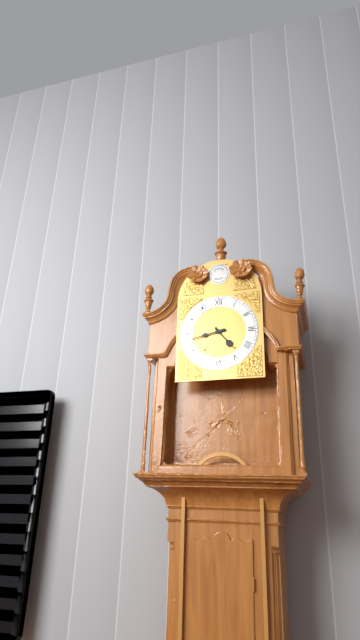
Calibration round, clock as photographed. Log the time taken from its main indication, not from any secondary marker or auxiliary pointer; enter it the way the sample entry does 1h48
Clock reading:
4h43
